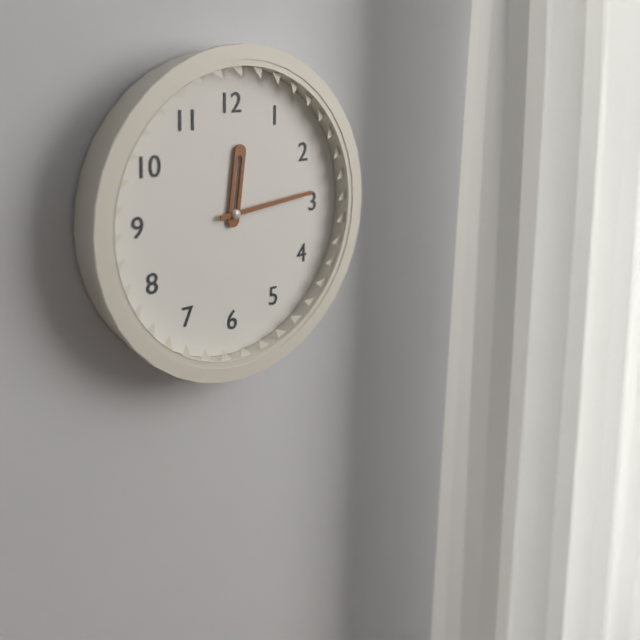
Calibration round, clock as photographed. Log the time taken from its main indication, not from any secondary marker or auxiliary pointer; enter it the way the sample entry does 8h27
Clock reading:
12h14
